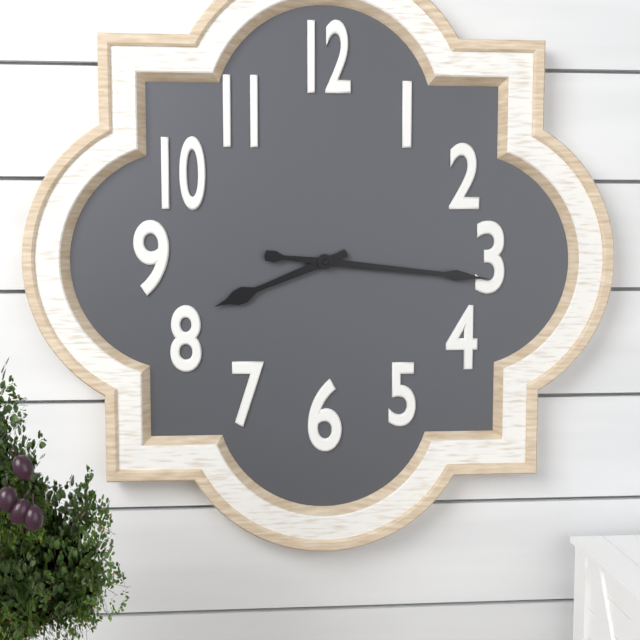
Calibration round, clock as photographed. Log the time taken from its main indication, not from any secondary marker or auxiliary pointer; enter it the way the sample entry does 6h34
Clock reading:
8h16
